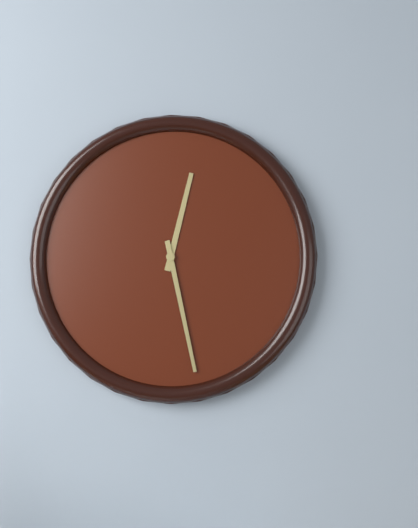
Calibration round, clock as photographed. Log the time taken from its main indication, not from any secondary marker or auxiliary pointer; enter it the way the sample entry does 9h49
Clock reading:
12h28
